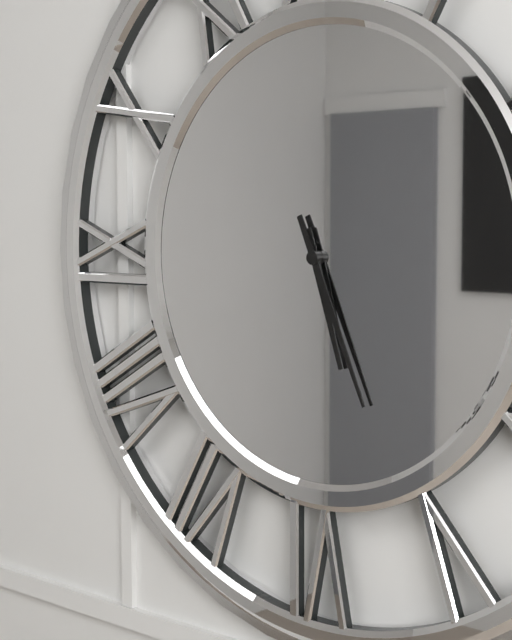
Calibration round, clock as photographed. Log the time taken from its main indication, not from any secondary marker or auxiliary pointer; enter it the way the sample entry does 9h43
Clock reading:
5h26
